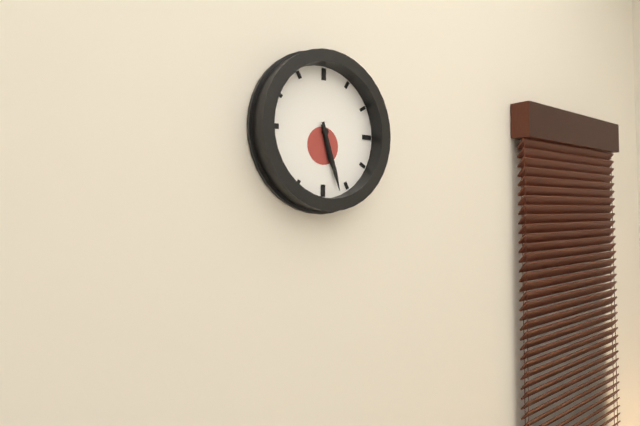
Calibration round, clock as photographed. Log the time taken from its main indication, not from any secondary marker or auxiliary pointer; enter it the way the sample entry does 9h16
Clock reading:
5h27
